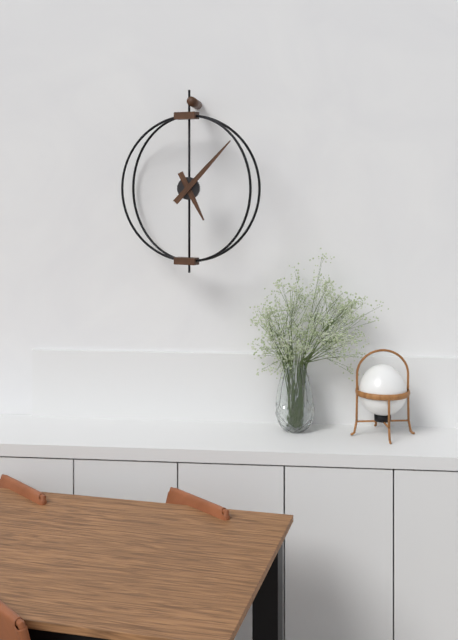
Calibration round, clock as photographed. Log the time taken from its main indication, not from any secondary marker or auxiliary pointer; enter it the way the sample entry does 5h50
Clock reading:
5h07
